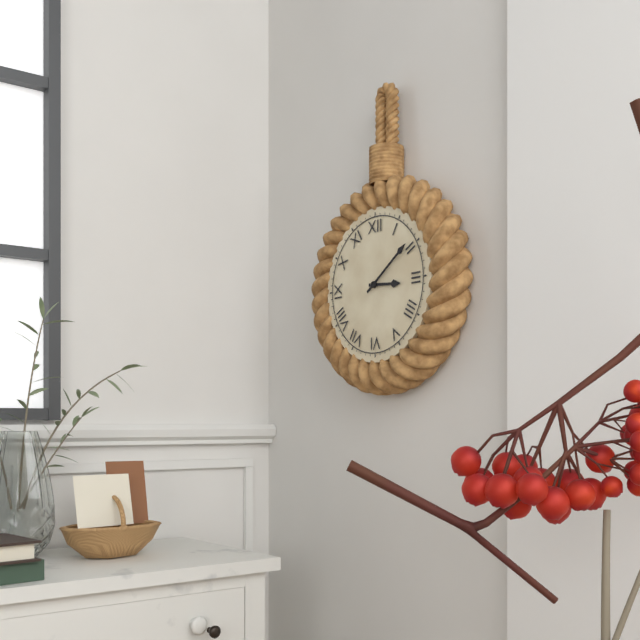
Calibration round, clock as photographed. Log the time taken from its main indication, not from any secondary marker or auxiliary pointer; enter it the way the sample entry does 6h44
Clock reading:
3h09
